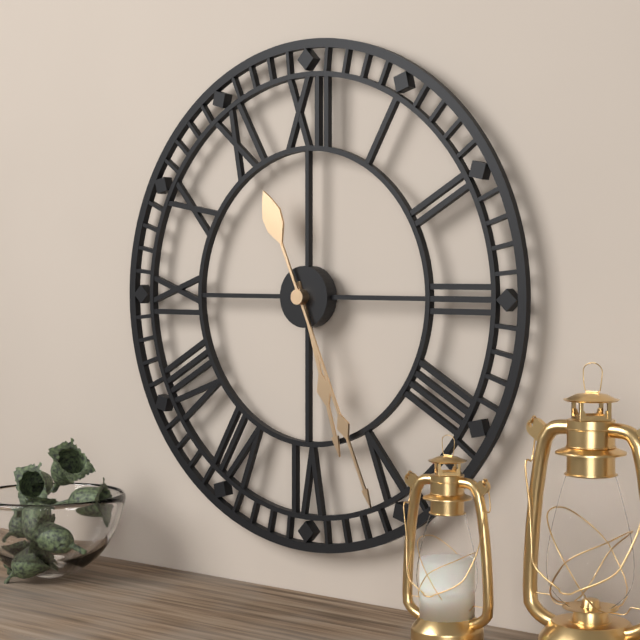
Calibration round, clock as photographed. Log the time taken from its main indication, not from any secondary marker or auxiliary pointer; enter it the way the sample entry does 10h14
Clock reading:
5h26
